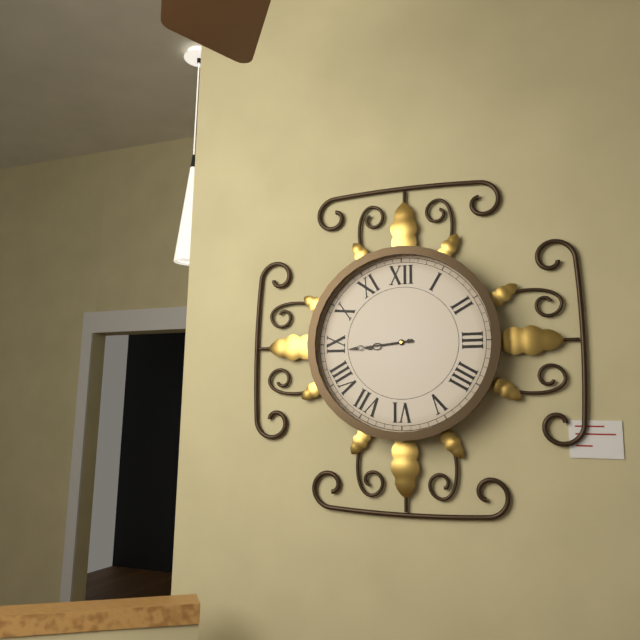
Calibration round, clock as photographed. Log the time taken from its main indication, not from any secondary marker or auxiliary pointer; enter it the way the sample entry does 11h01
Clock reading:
8h44
